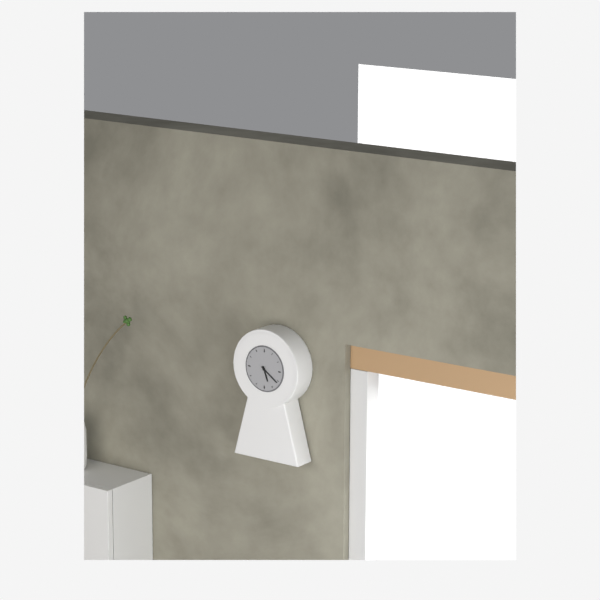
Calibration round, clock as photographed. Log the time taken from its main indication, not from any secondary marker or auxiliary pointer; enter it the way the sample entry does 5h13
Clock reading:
5h21
